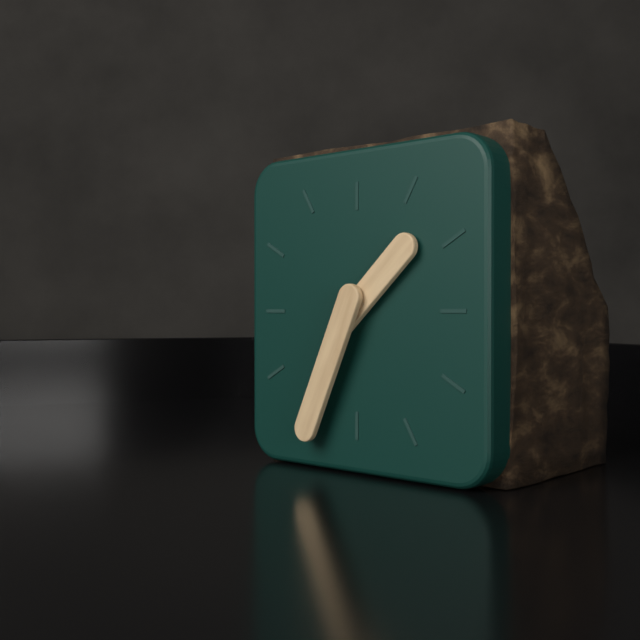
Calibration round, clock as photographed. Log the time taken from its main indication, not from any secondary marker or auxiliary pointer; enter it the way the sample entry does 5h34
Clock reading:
1h34
